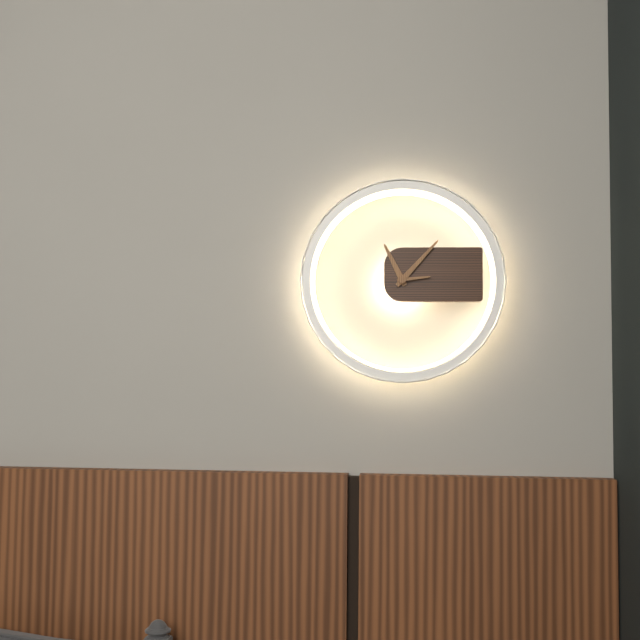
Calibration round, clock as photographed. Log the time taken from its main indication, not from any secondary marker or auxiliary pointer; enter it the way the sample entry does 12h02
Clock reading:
11h07
